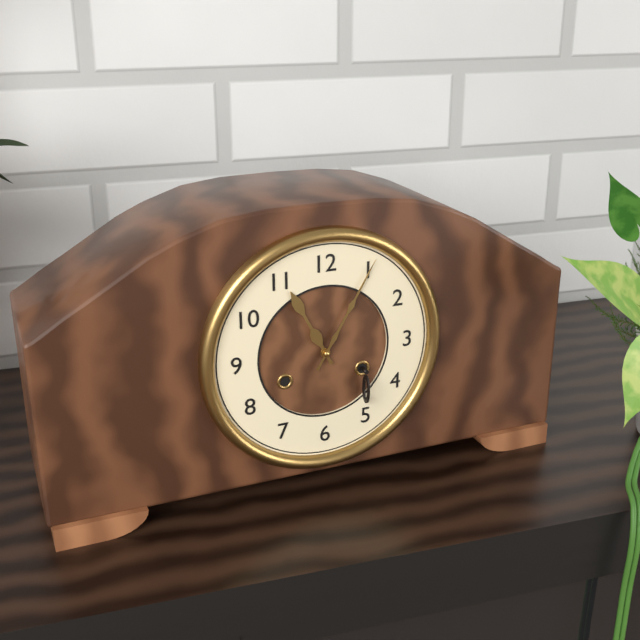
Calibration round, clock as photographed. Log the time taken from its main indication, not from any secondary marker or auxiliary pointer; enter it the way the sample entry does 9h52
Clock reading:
11h05
